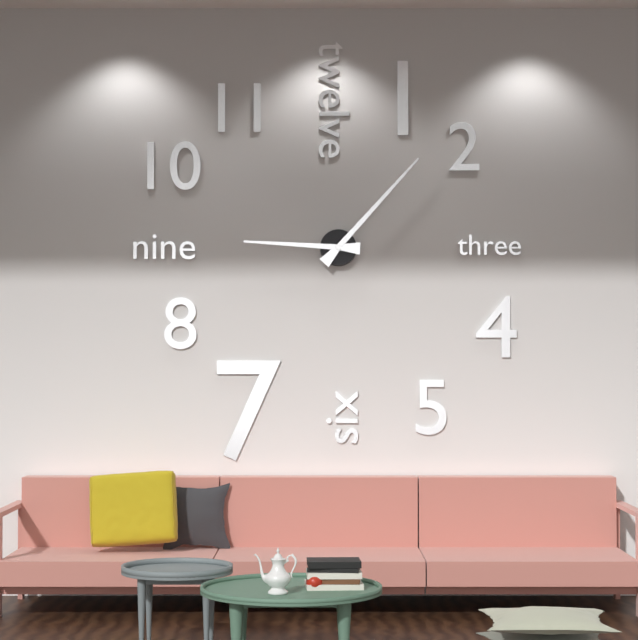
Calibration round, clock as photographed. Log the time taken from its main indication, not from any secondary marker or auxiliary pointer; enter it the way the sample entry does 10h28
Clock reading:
9h07
